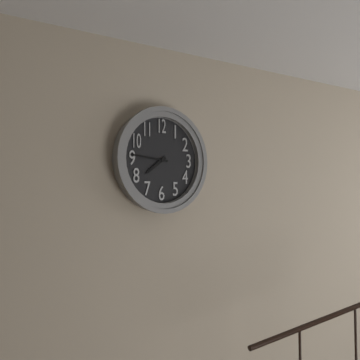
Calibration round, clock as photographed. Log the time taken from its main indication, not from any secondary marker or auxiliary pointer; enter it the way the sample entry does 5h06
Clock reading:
7h46
